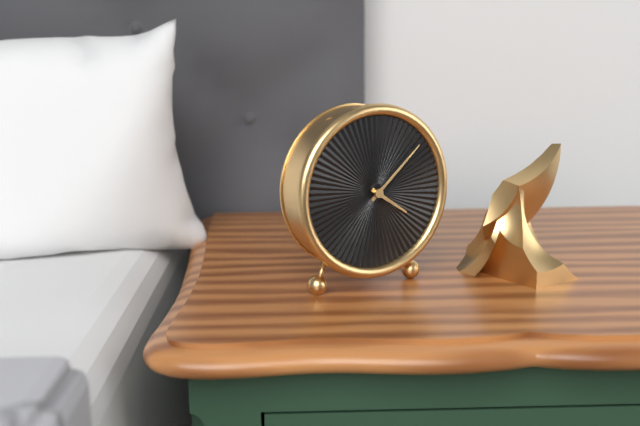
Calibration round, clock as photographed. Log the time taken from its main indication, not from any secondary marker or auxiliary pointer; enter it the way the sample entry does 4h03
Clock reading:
4h08
